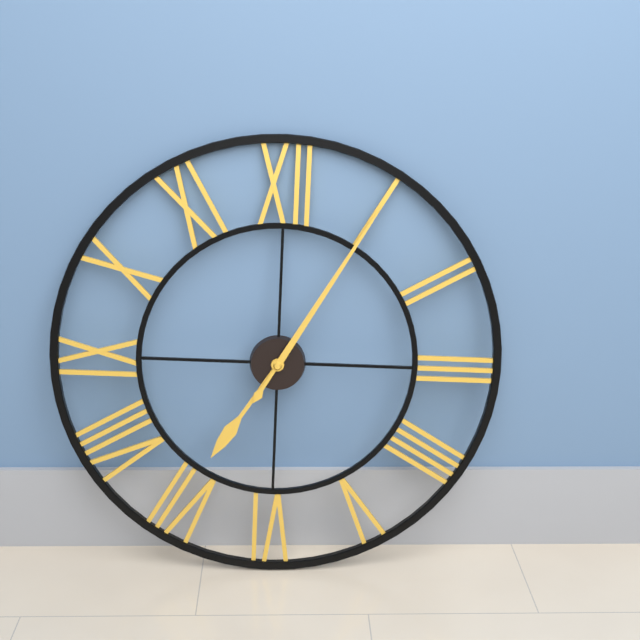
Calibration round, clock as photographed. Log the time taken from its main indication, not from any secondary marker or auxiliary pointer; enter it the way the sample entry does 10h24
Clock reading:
7h05
